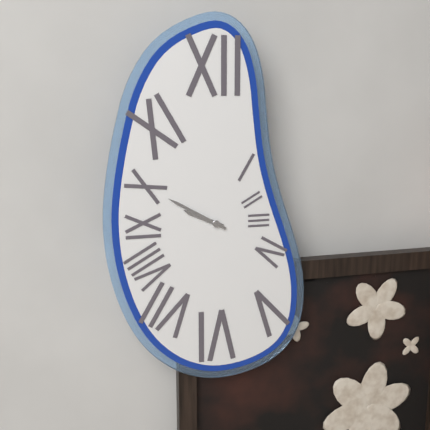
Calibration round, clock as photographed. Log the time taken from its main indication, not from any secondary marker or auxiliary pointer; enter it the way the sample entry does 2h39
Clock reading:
9h50
